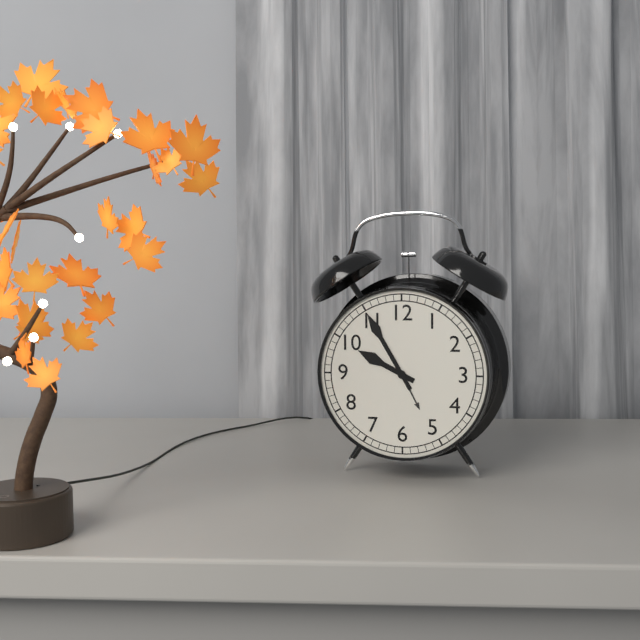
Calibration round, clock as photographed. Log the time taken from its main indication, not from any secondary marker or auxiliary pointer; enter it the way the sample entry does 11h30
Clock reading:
9h55
